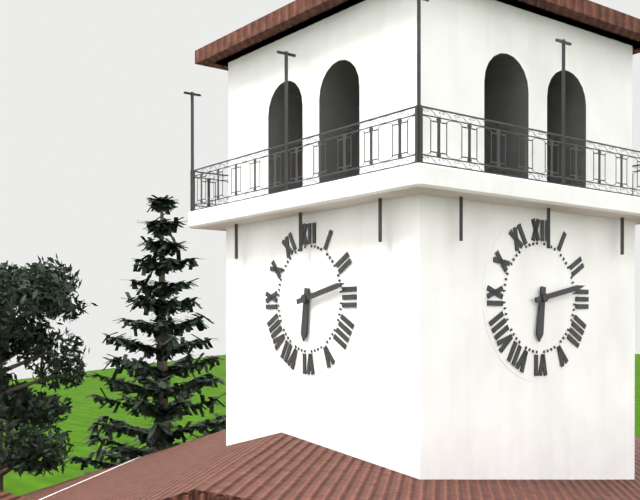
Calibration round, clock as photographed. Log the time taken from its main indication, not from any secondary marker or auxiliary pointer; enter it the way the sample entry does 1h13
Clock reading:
6h13
